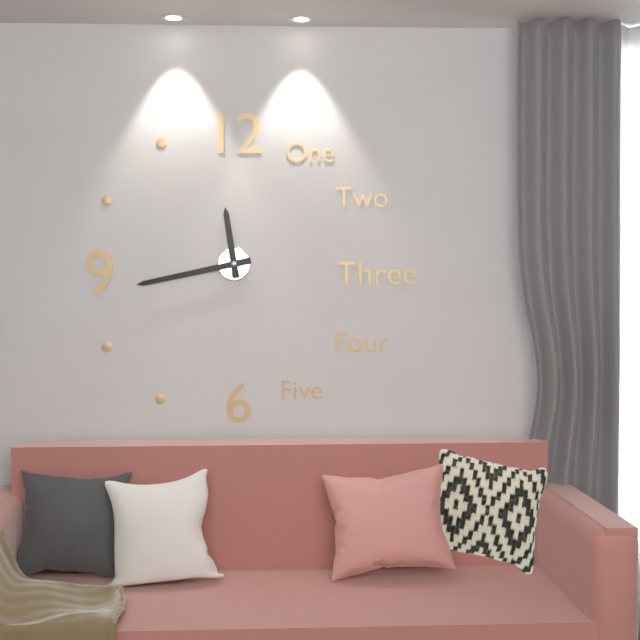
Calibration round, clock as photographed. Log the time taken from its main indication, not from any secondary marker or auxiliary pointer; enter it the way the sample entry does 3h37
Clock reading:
11h43
